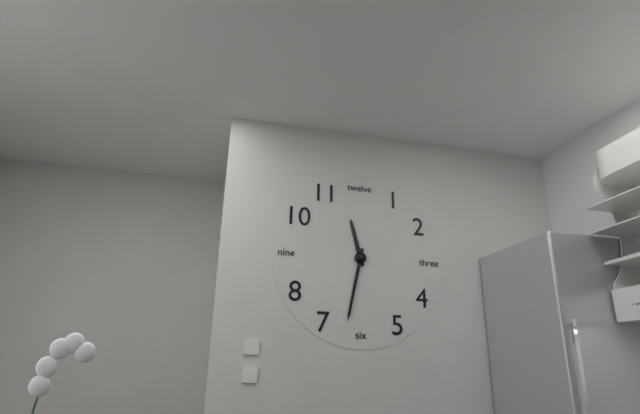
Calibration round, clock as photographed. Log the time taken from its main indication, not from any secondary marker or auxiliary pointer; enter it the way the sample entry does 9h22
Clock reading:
11h32
